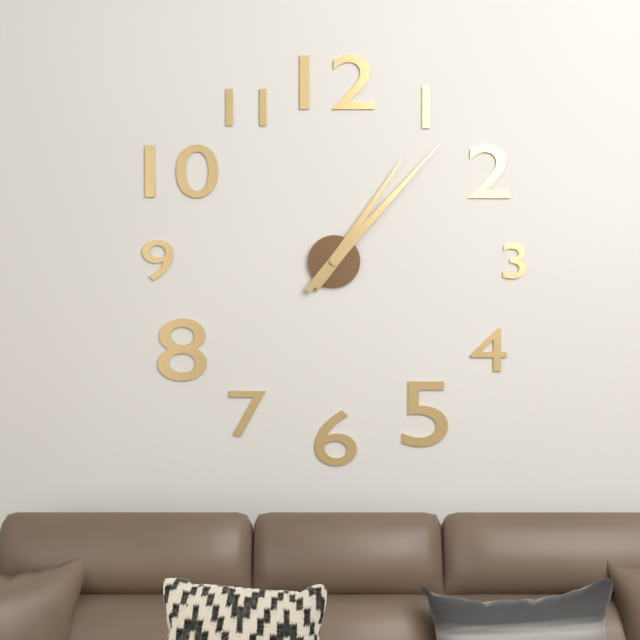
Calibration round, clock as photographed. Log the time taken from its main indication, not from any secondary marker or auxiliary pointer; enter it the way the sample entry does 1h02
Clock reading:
1h07
